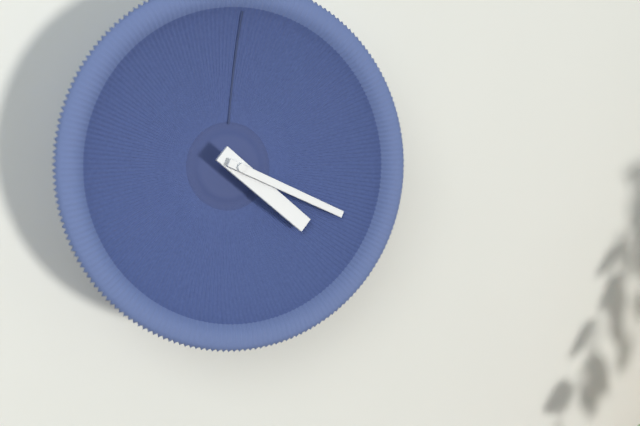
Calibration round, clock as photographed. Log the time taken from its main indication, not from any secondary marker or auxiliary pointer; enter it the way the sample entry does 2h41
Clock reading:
4h19
